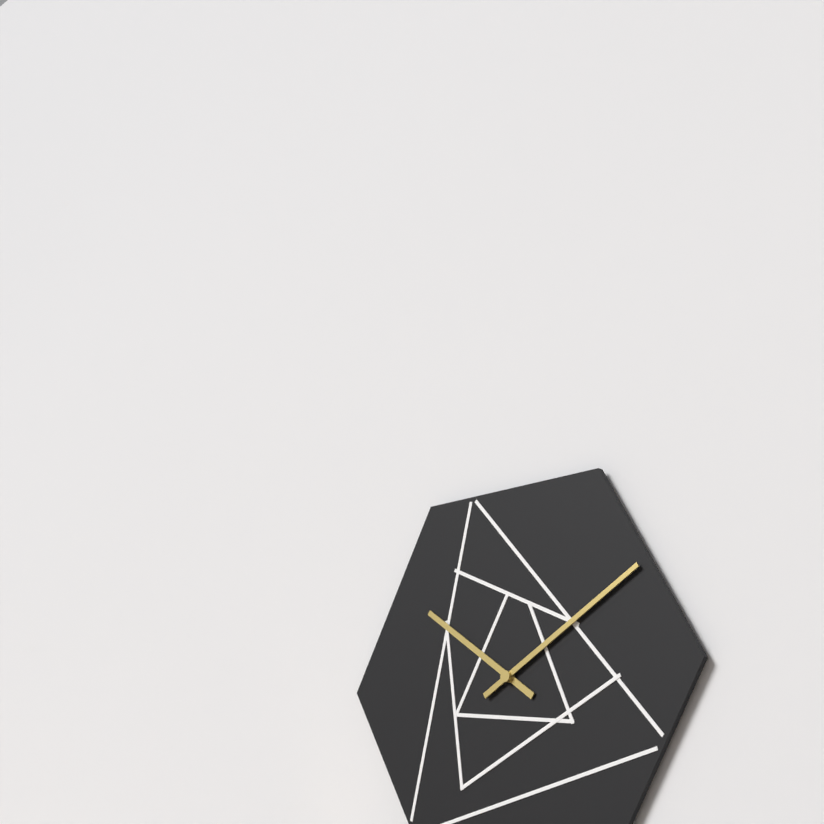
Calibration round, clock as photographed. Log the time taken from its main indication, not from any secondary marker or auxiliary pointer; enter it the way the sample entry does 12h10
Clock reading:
10h10
